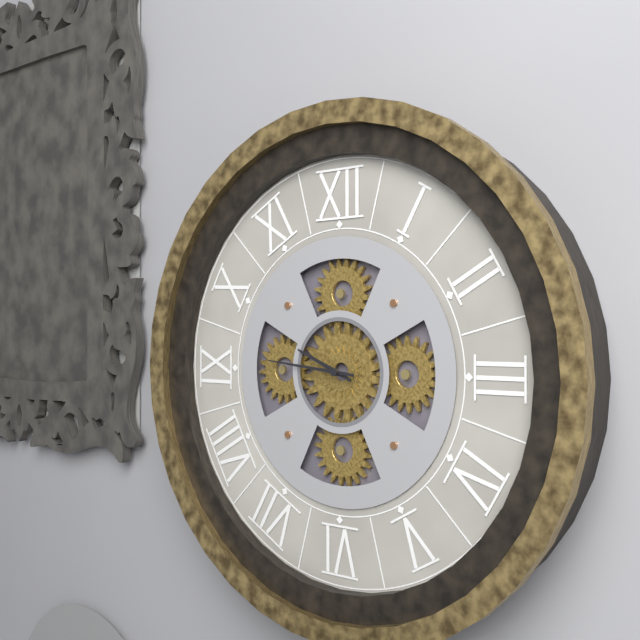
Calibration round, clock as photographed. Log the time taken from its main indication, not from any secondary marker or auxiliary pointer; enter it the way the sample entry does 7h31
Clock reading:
9h46
